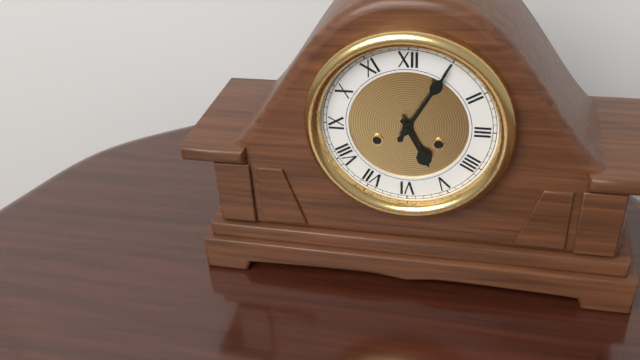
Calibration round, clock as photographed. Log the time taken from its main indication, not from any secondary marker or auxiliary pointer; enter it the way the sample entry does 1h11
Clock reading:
5h05
